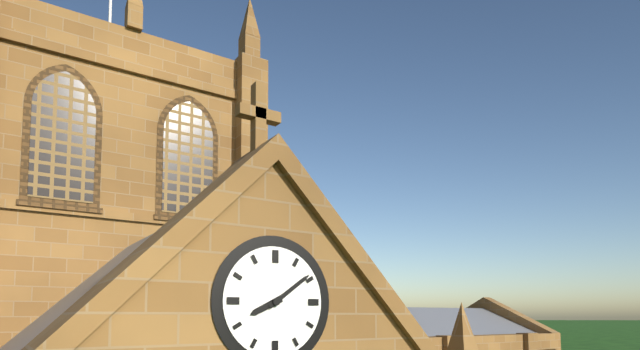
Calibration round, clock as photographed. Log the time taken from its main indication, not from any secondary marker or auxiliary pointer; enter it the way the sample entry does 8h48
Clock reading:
8h09
